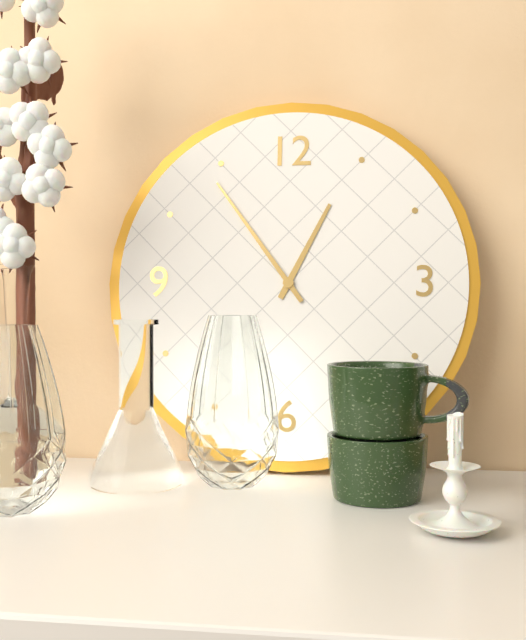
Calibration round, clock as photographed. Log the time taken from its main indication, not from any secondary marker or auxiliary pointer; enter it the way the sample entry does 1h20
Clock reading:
12h54
